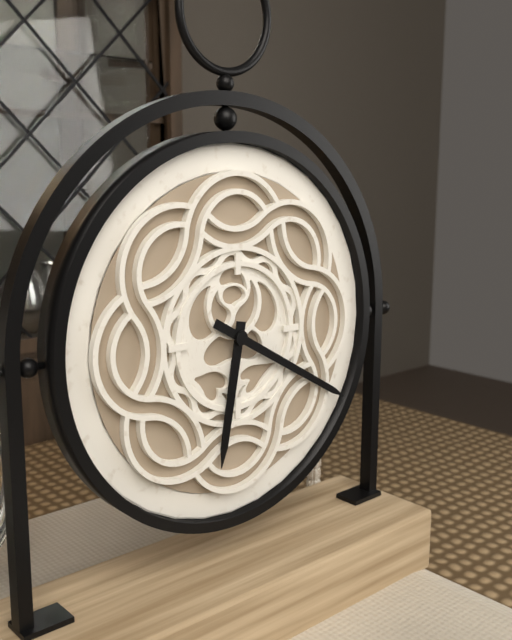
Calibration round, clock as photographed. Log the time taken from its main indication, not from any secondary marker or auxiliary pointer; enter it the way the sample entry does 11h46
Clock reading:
6h20
